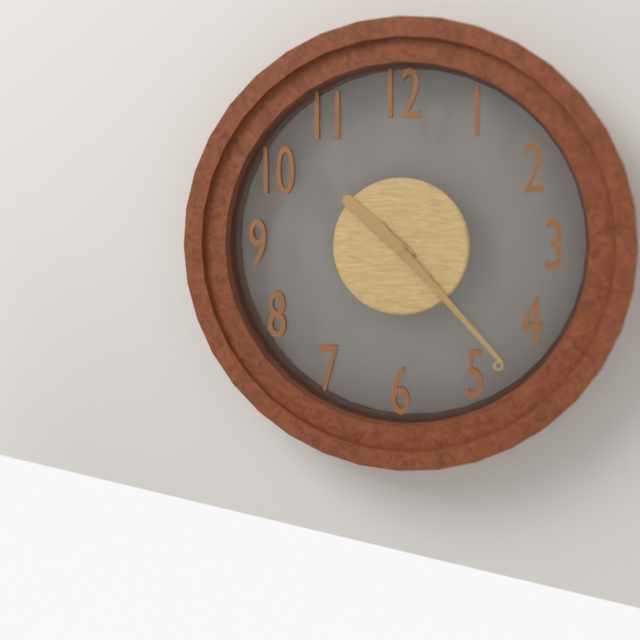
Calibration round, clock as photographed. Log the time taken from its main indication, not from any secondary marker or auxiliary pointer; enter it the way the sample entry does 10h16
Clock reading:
10h23
